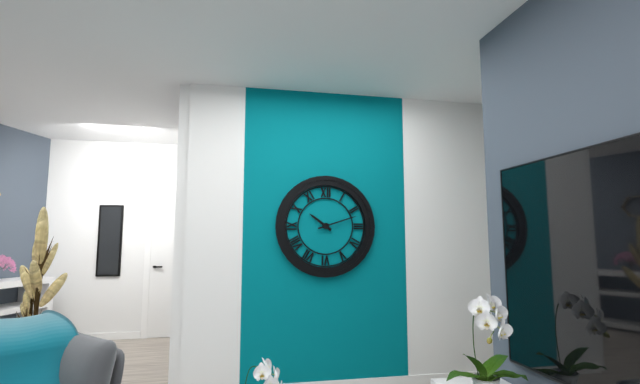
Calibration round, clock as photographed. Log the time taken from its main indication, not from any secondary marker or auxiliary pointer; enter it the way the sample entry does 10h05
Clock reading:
10h12
